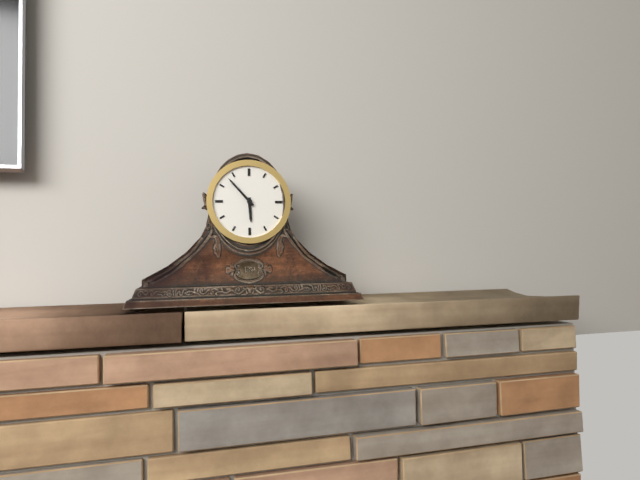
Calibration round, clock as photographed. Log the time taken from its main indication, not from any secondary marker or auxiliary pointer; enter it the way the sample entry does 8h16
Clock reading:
5h53
